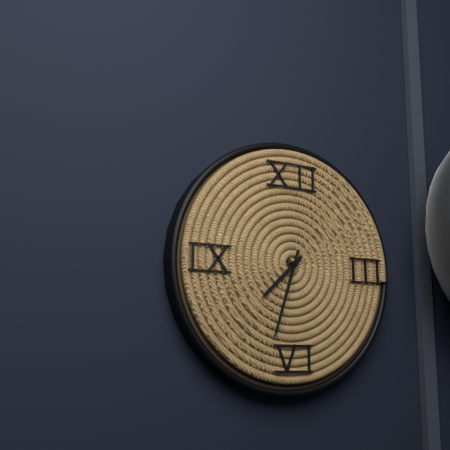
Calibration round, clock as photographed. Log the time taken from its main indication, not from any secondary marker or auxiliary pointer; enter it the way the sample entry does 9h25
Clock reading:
7h33
